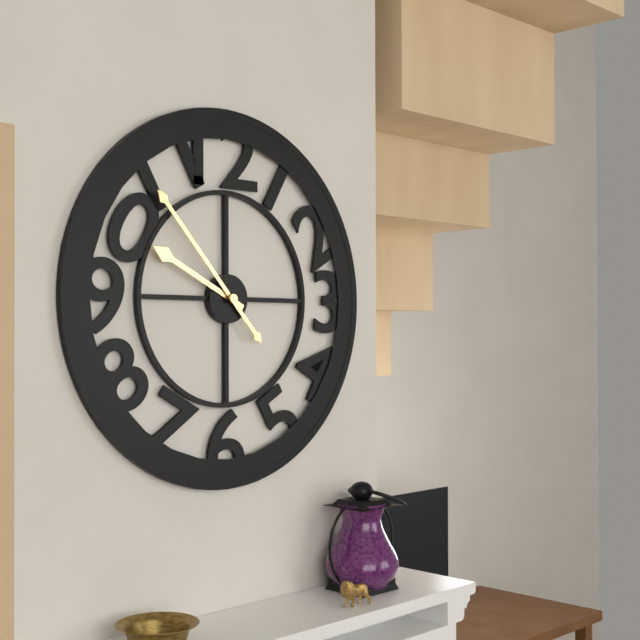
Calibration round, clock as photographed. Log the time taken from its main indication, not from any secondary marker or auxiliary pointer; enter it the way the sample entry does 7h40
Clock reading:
9h53
